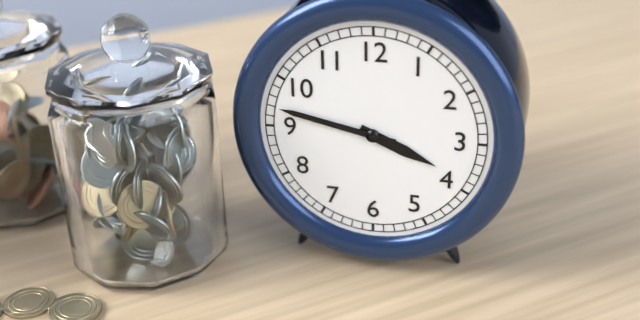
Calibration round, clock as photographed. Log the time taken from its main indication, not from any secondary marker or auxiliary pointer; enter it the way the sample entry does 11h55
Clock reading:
3h47
